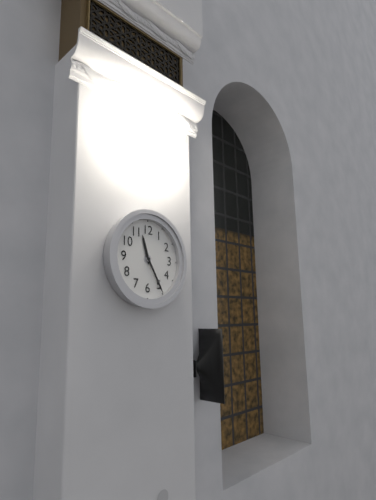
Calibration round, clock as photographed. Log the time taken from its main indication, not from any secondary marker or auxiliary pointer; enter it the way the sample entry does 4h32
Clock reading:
11h25
